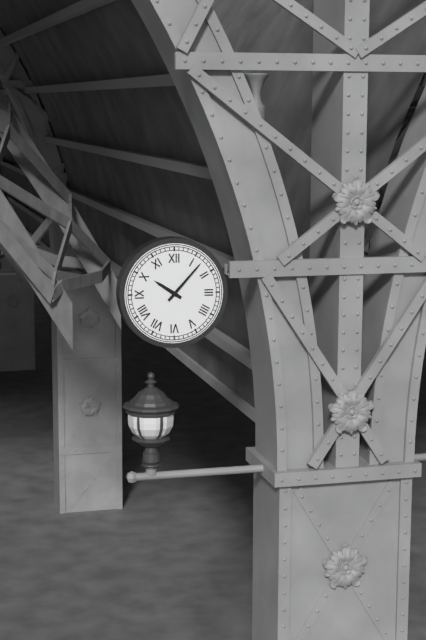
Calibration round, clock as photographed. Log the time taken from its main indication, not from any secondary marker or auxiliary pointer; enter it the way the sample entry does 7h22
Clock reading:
10h07
